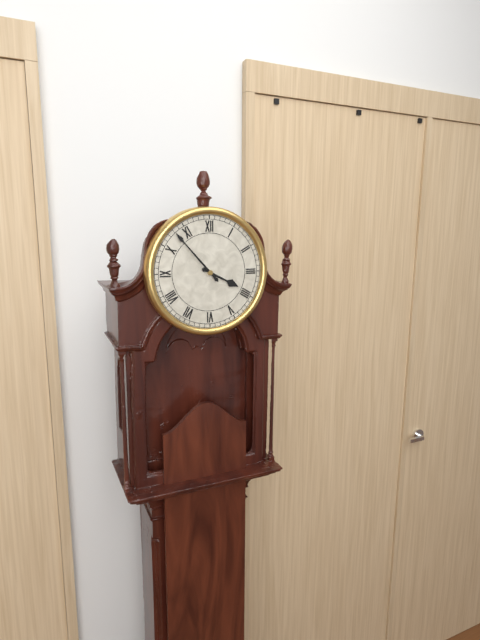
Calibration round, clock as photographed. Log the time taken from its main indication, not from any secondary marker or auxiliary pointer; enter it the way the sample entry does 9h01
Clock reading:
3h53
